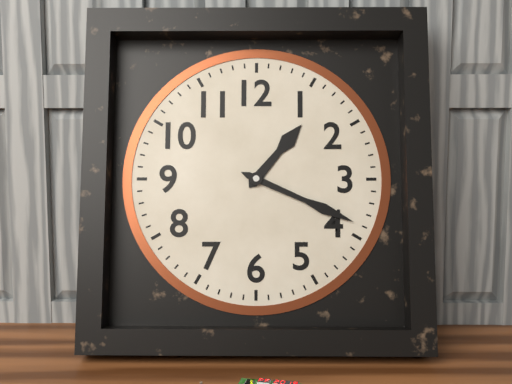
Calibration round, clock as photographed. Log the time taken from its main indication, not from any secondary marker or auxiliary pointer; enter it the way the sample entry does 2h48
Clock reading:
1h19
